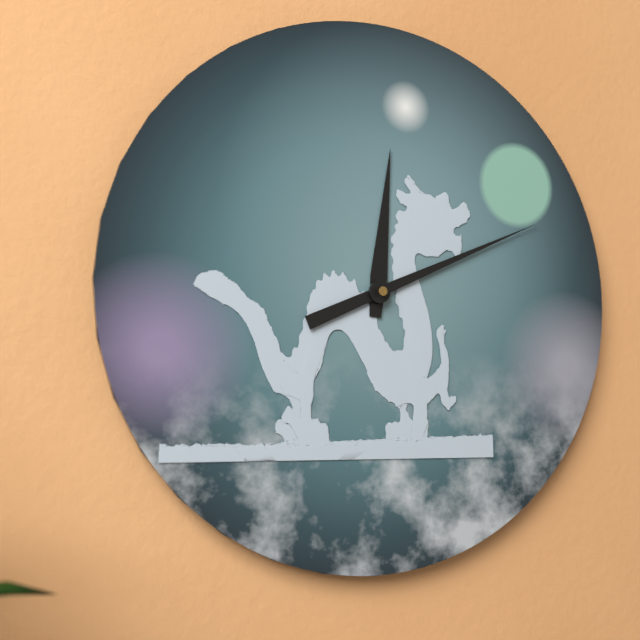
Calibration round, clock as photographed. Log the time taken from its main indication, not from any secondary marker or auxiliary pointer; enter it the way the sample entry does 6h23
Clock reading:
12h11
